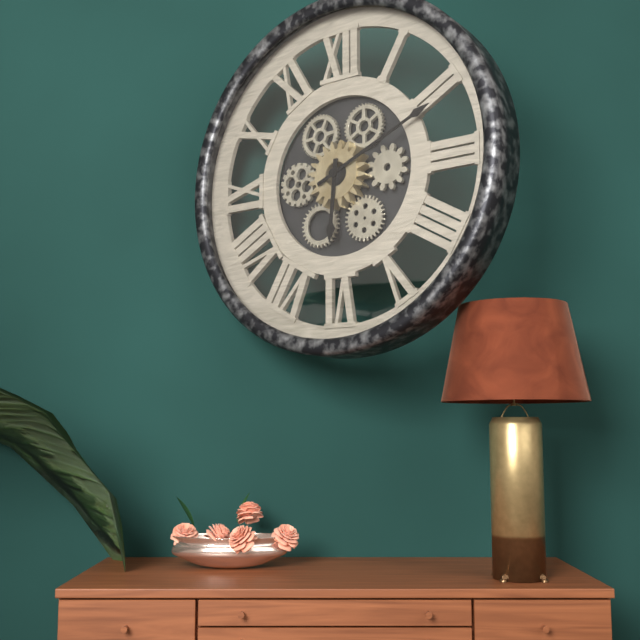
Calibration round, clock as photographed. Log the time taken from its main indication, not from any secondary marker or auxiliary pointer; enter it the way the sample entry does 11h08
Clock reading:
6h11
